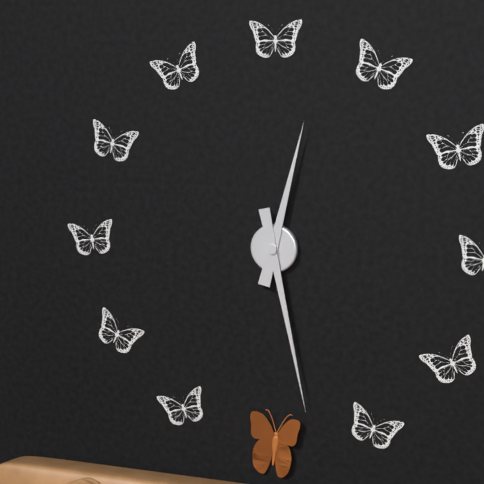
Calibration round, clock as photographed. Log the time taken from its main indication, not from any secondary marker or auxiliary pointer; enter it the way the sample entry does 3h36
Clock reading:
12h28
